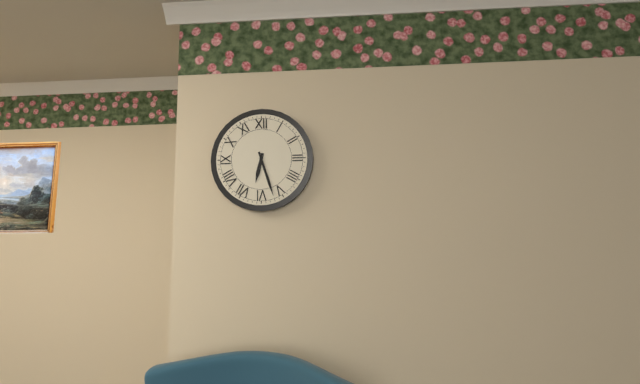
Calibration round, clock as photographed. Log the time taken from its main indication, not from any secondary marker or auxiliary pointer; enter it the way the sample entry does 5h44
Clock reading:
6h27
